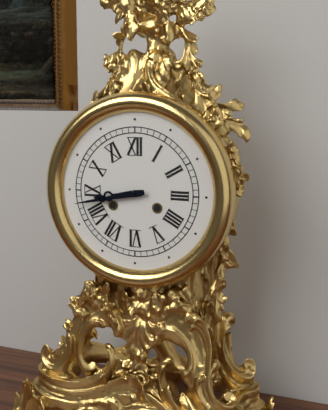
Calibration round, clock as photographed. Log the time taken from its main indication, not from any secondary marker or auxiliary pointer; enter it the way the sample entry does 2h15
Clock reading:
8h43
